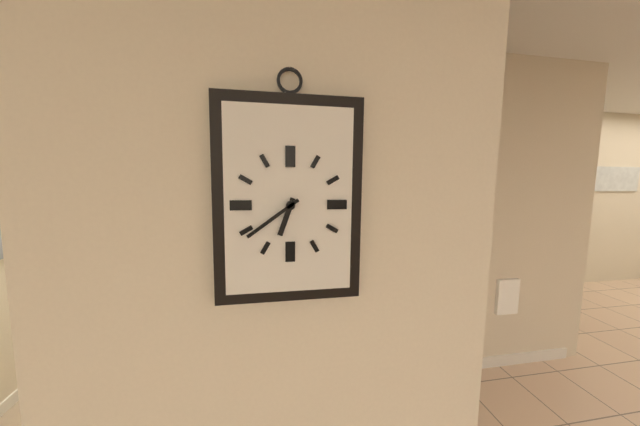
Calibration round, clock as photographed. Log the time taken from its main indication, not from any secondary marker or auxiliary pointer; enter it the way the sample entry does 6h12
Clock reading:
6h39
